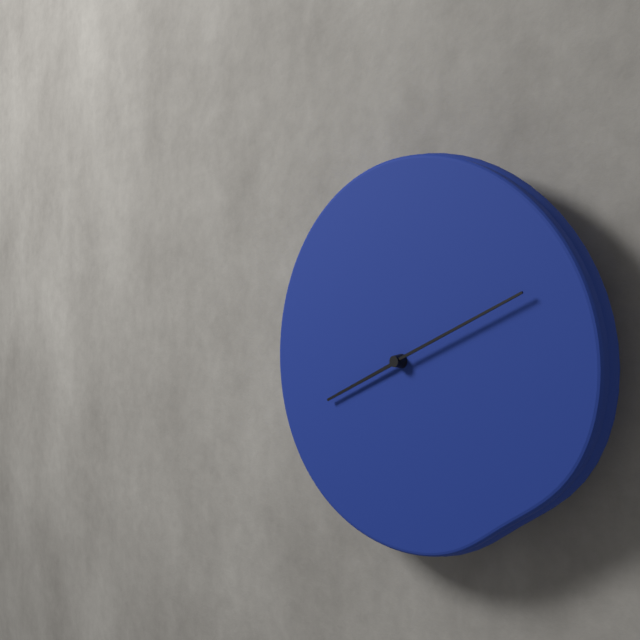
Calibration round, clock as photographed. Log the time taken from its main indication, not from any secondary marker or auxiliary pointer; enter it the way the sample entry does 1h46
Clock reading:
8h11
